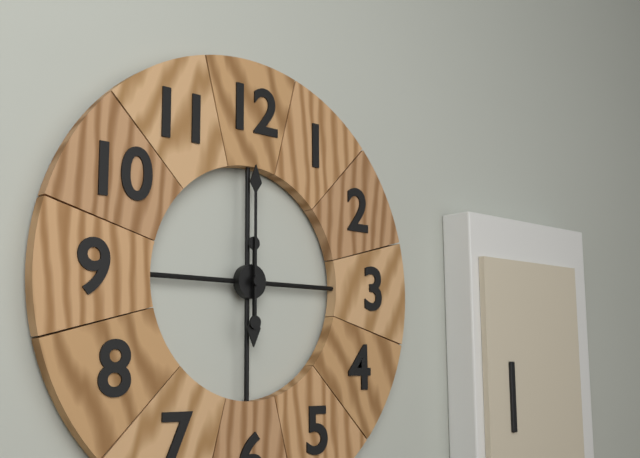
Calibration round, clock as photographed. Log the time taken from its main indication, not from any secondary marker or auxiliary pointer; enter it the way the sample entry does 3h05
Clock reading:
6h00
